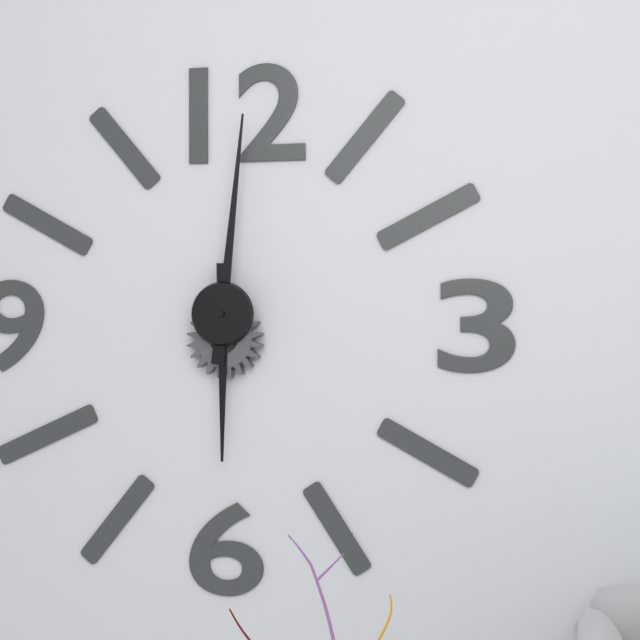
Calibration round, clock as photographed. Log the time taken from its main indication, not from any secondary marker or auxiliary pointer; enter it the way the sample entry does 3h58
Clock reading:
6h01
